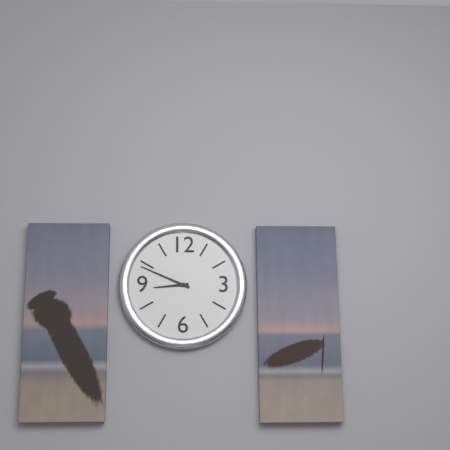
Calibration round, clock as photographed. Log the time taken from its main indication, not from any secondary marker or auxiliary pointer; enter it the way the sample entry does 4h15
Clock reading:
8h49
